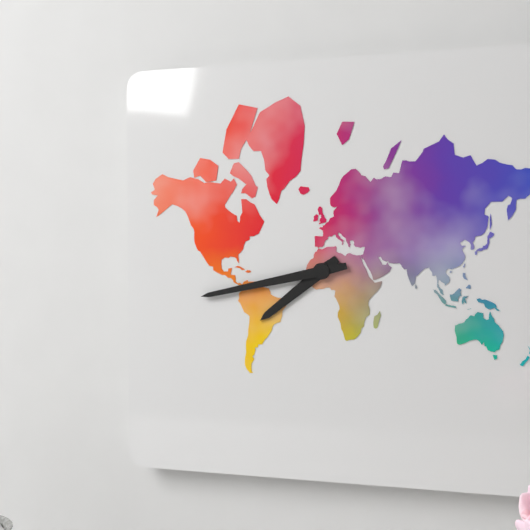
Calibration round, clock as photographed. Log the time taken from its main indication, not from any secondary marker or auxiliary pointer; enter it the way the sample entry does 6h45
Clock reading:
7h43
